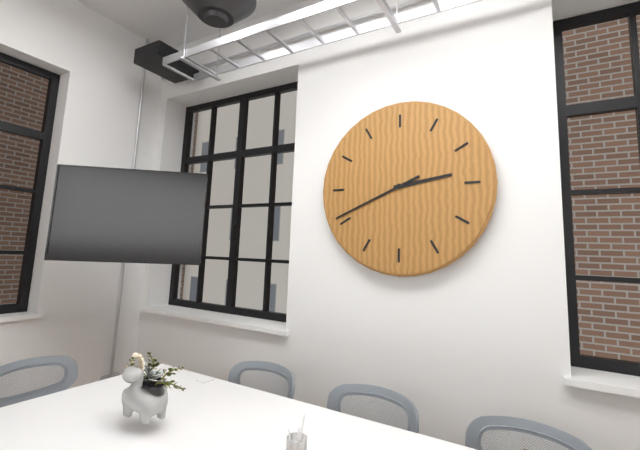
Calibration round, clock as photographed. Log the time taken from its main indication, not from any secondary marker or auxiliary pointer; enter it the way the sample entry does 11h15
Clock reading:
2h41
